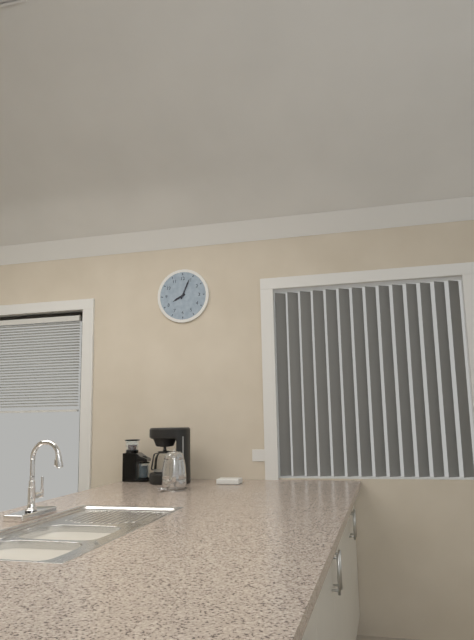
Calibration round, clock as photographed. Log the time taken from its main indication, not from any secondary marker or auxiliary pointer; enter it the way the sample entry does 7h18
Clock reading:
8h04
